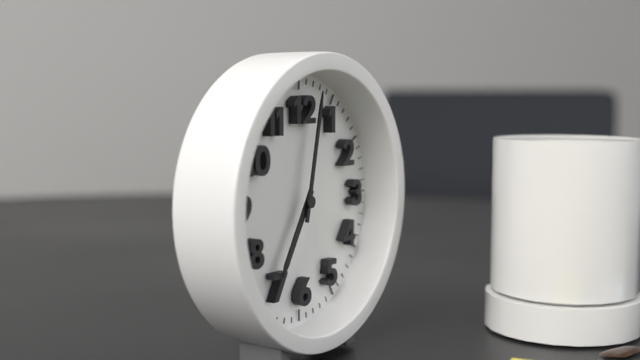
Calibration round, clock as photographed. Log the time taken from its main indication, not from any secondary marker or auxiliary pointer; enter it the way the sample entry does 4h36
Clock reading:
7h02
